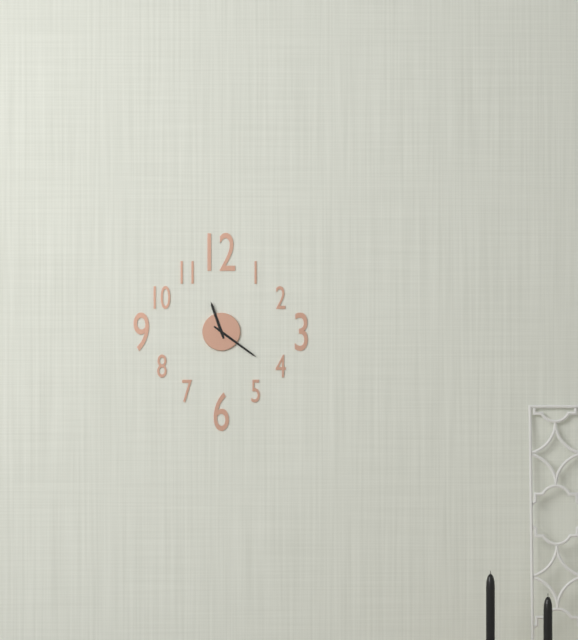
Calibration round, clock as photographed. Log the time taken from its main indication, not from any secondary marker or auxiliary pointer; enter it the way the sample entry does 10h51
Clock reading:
11h21
